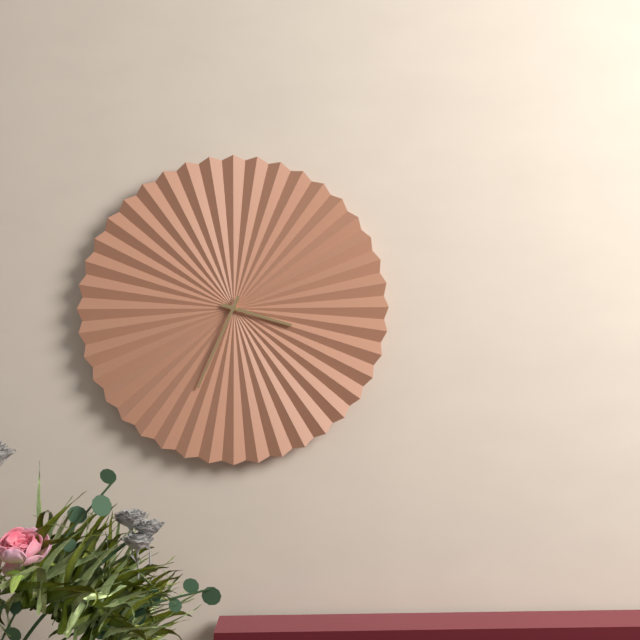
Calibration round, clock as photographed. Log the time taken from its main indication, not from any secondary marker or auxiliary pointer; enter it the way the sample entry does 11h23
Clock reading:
3h34
